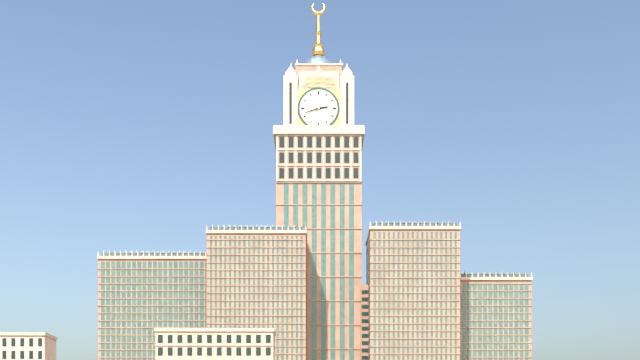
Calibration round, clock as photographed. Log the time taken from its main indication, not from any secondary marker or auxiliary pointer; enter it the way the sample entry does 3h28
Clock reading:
2h42
